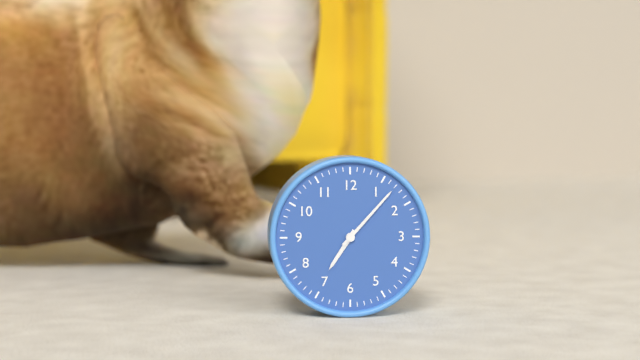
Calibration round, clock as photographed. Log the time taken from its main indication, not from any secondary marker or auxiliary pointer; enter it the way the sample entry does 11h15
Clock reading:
7h07
